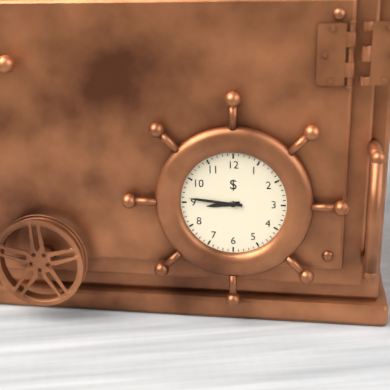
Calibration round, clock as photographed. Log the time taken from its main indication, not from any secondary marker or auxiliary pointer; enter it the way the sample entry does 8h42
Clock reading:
8h46
